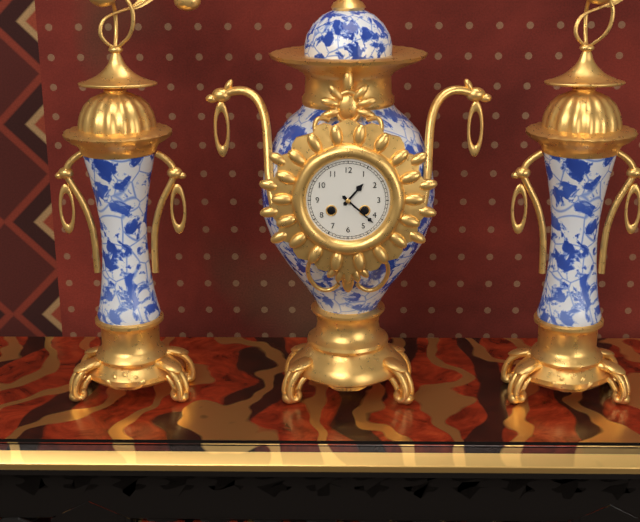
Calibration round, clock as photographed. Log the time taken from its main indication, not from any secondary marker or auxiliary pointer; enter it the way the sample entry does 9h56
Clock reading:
1h22
